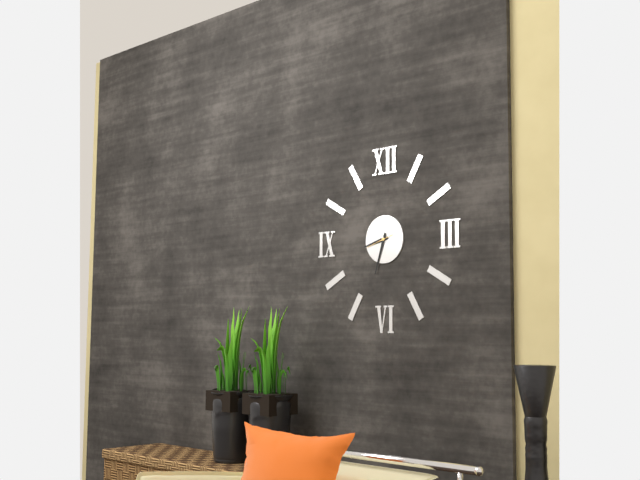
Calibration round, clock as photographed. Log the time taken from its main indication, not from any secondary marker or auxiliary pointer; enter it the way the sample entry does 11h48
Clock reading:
8h33
